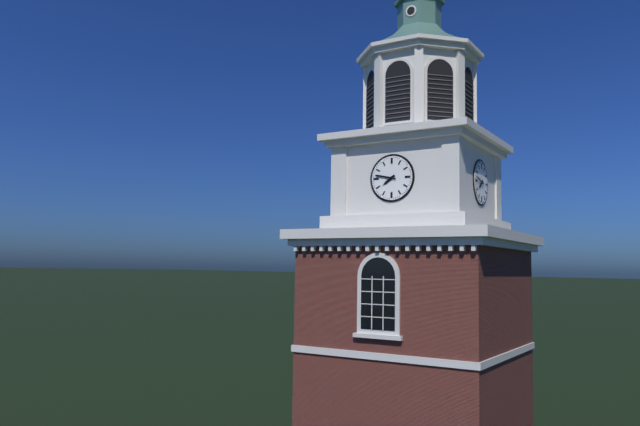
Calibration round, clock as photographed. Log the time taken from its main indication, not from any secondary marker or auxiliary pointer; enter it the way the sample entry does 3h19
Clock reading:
7h47
